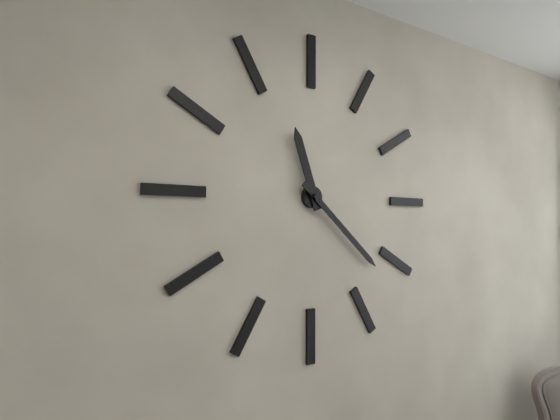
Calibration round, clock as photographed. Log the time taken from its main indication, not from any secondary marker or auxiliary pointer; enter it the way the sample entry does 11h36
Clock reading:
11h22
